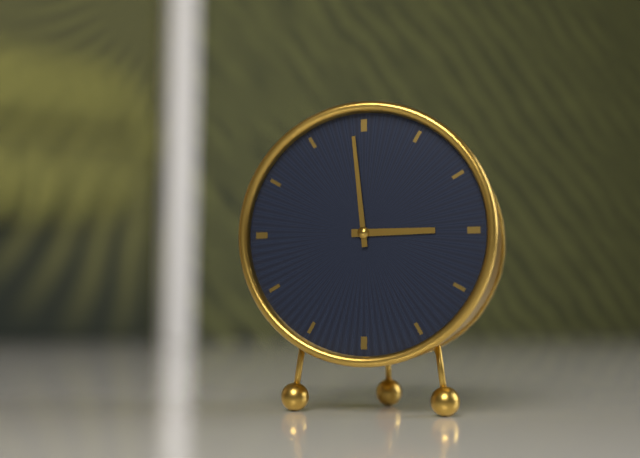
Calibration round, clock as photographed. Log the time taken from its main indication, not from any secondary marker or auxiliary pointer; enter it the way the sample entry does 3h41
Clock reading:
2h59
